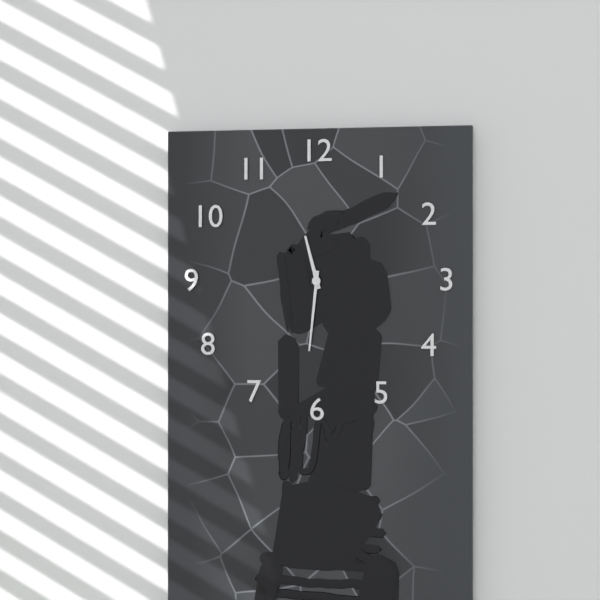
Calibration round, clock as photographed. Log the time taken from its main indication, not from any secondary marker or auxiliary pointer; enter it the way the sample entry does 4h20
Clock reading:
11h31
